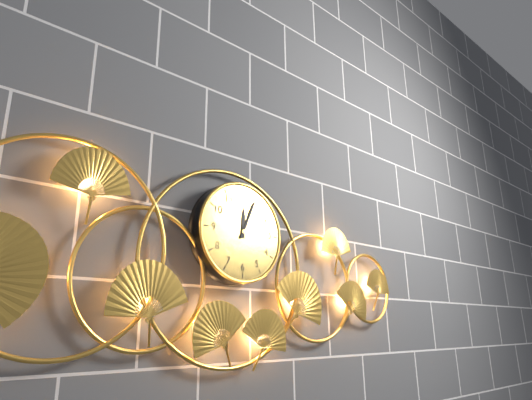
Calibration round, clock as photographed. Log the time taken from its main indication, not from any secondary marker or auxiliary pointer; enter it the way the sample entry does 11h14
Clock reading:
12h04
